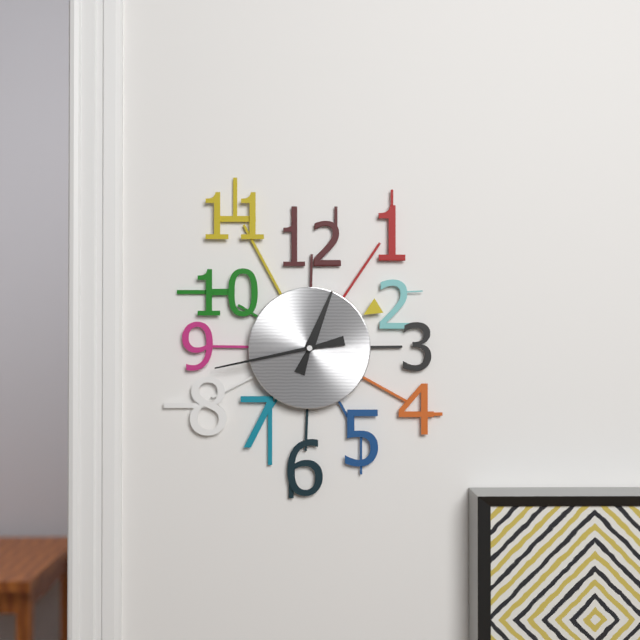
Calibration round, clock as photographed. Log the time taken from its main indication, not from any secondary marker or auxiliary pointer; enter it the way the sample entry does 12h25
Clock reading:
12h43
